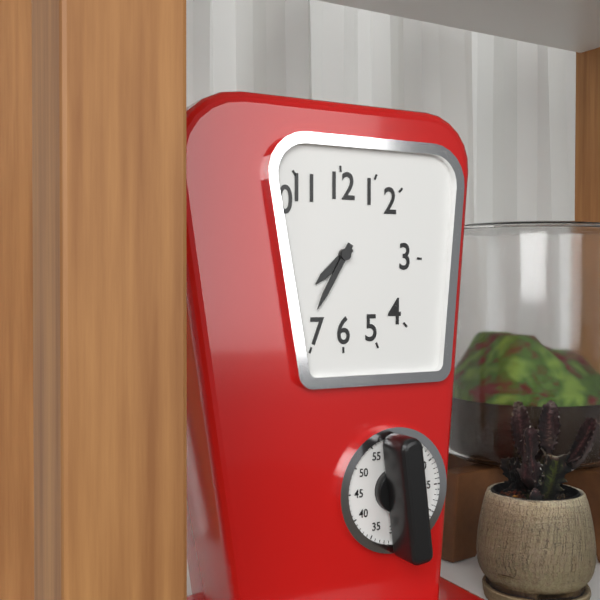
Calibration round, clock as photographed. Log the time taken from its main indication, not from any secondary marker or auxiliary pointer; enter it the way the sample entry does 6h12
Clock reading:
7h35
